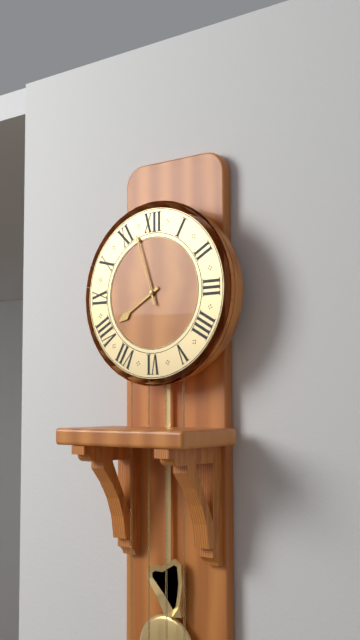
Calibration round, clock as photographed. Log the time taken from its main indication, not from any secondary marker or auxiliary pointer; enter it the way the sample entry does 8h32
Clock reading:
7h57
